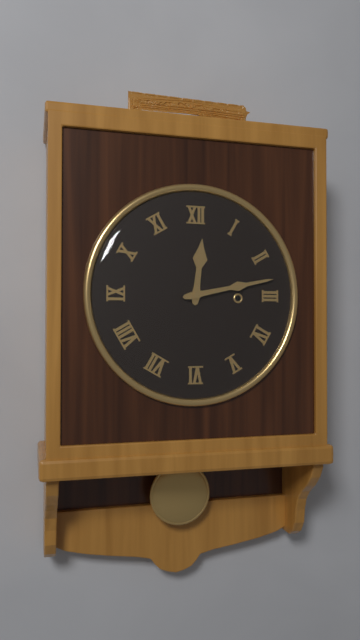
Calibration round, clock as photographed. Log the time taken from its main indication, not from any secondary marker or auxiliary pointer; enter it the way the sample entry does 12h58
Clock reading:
12h13
